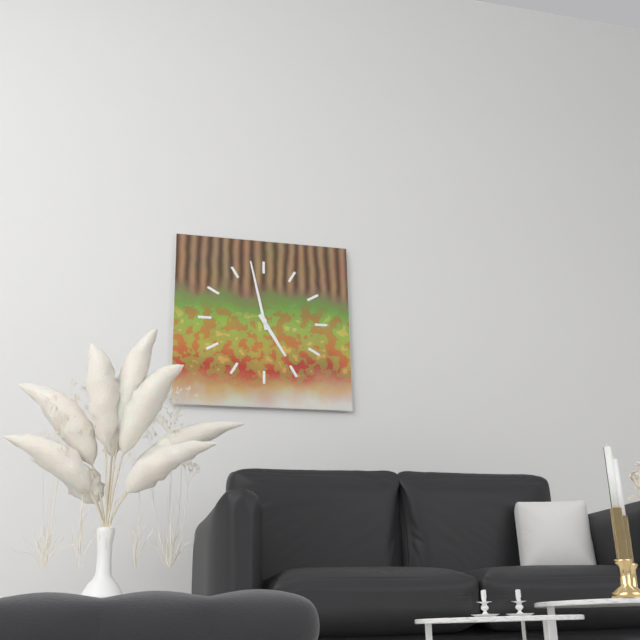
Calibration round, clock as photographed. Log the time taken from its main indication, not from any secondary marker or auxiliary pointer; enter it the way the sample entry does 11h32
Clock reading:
4h58
